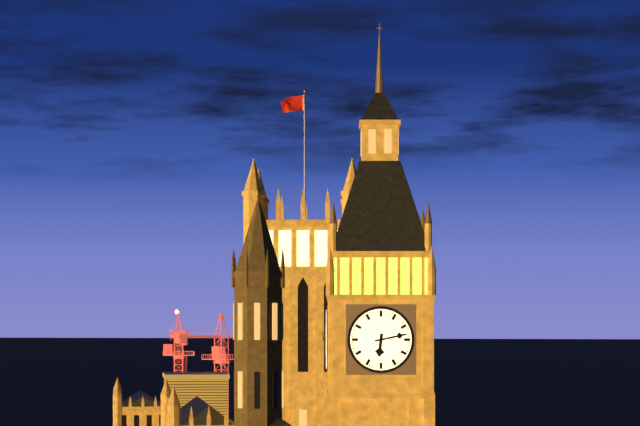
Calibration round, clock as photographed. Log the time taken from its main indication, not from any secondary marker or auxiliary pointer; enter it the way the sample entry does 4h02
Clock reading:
6h13
